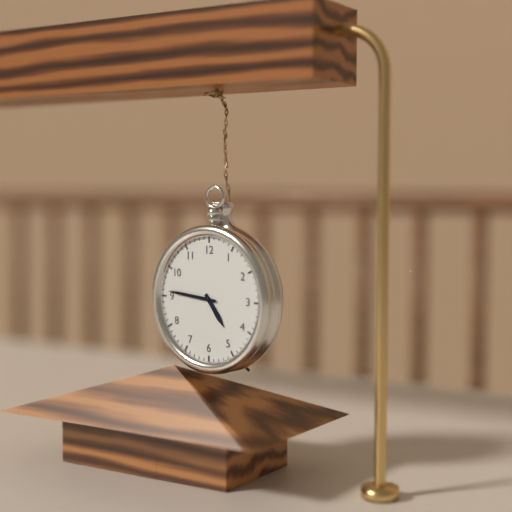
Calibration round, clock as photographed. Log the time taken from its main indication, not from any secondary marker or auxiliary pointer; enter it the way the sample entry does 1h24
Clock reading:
4h46
